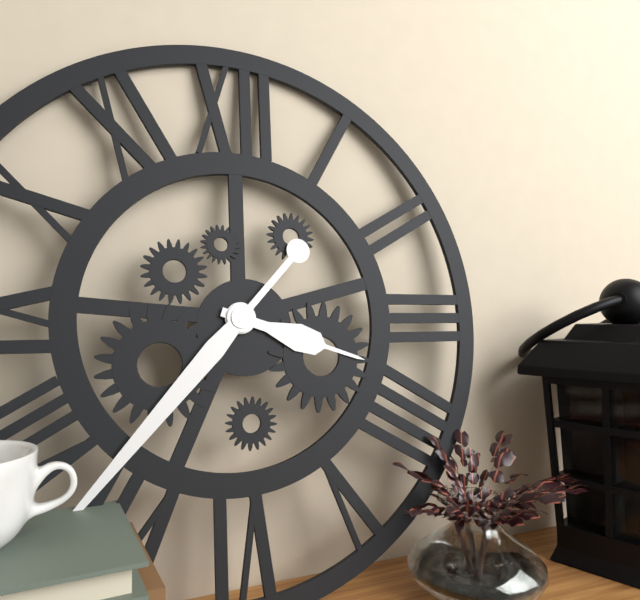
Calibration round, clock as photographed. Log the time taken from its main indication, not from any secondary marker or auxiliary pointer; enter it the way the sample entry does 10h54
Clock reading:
3h37
